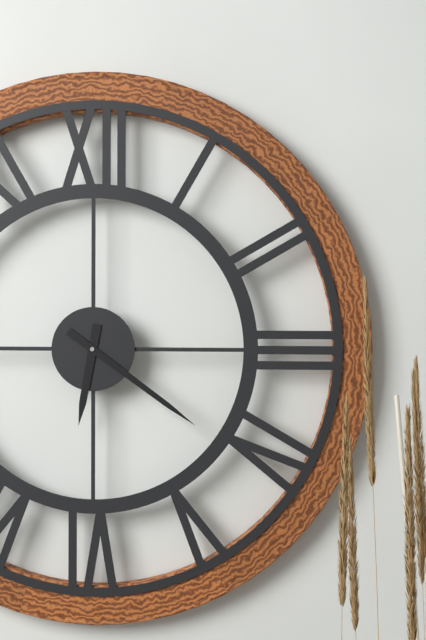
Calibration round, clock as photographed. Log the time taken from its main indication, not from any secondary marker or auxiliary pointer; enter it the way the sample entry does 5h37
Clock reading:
6h21
